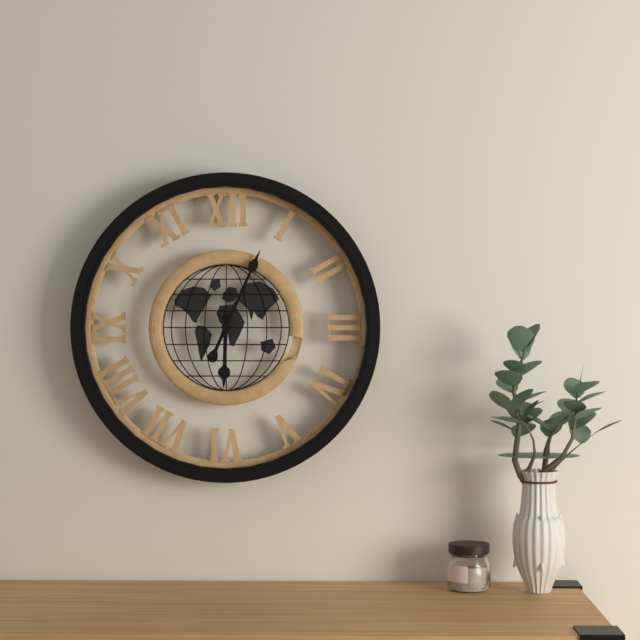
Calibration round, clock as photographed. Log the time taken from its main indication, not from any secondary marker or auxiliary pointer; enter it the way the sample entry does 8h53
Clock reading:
6h04
